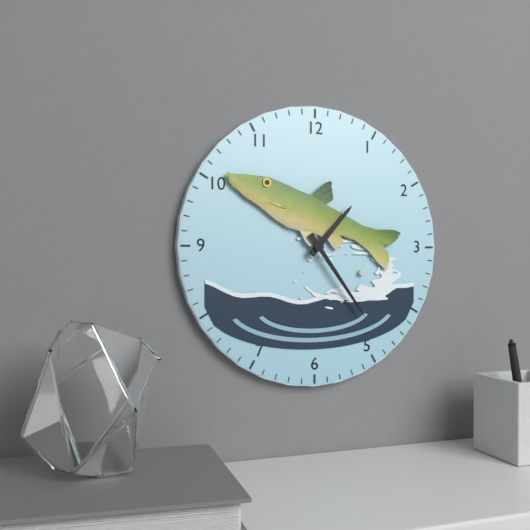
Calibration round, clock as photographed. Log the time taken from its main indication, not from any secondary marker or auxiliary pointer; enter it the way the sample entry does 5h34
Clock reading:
1h24
